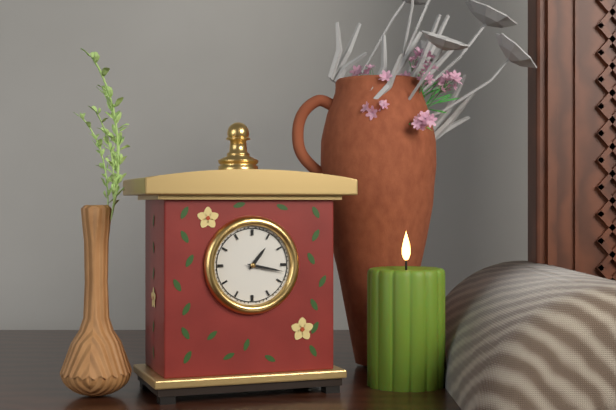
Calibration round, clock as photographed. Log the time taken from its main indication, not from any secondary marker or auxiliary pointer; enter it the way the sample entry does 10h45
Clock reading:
1h17
